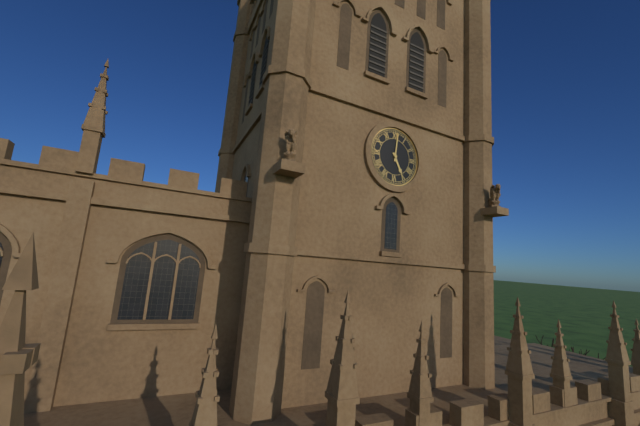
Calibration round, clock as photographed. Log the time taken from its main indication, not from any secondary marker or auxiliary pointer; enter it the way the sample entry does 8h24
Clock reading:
5h01
